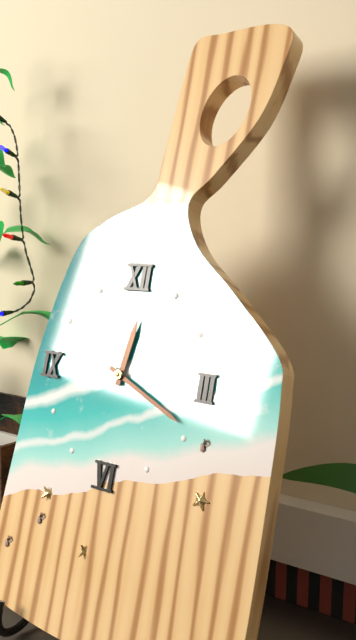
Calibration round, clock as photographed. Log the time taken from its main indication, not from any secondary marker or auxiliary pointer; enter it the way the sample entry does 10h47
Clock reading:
12h19
